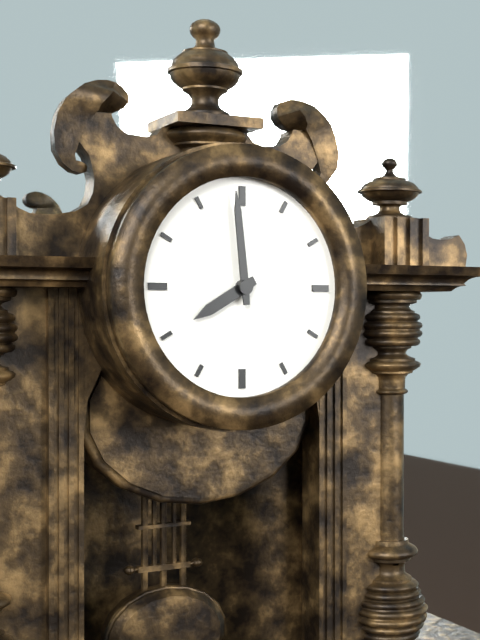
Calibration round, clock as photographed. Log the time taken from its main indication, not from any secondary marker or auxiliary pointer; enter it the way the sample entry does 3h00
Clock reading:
7h59
